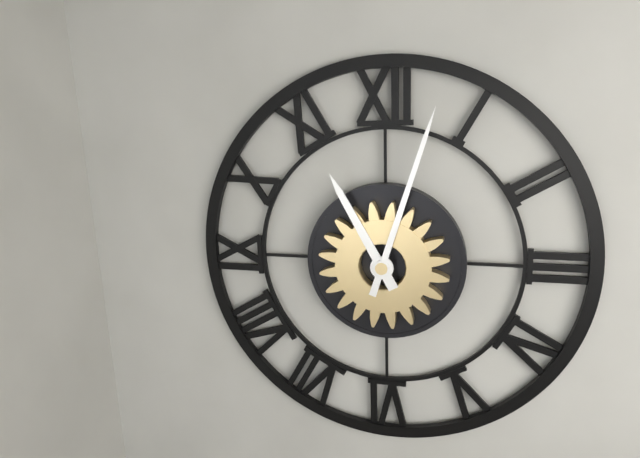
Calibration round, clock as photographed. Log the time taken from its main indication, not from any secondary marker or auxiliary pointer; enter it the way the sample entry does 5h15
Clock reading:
11h03
